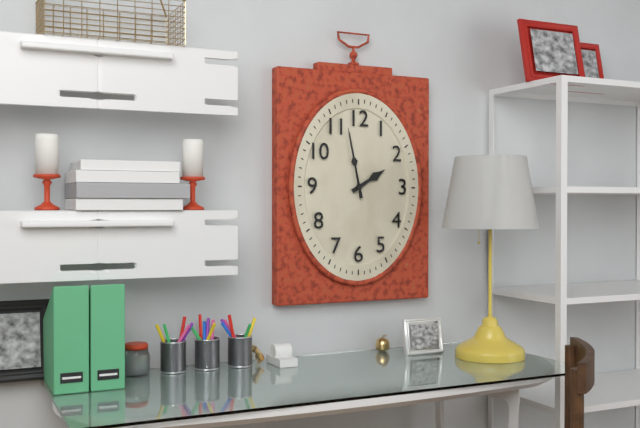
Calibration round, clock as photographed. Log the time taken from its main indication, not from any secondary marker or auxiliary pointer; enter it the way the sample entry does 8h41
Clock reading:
1h58
